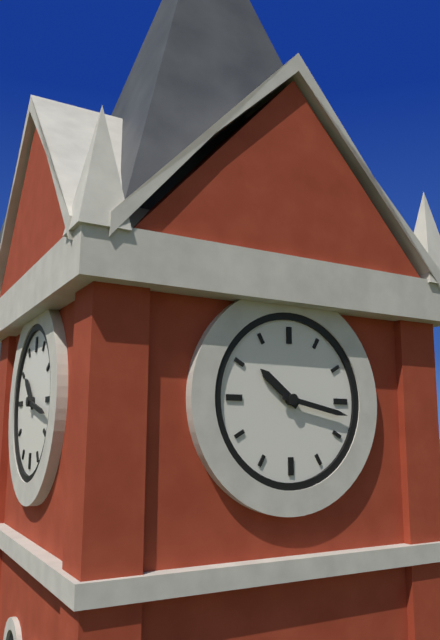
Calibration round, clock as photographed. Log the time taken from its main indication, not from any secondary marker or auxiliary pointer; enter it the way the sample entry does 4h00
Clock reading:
10h17
